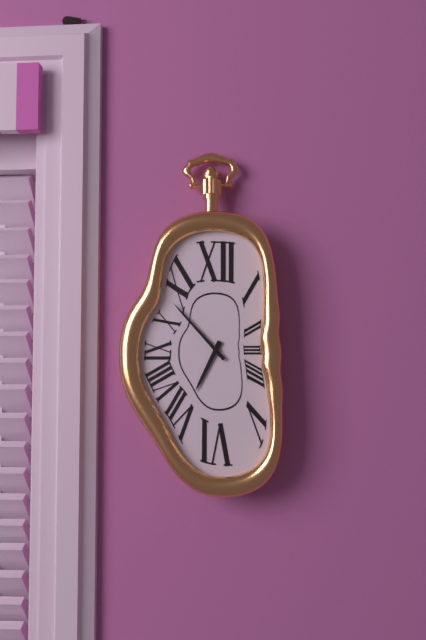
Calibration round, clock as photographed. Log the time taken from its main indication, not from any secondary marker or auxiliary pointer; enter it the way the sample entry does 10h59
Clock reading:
6h53
